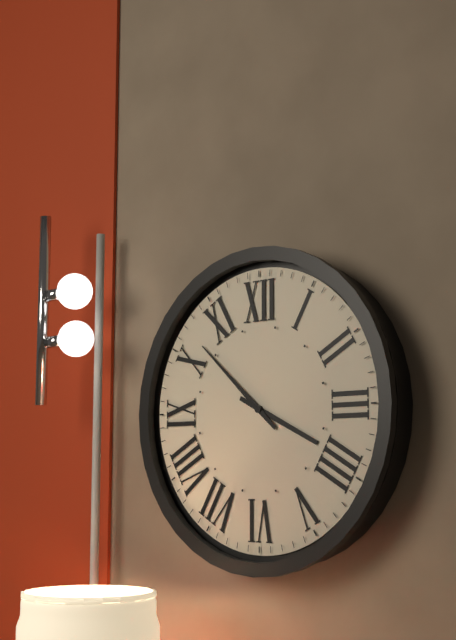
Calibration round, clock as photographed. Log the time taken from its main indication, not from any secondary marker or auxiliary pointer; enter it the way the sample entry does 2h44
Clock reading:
3h52
